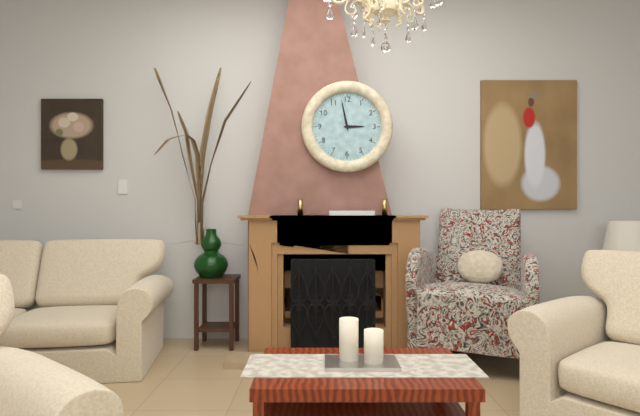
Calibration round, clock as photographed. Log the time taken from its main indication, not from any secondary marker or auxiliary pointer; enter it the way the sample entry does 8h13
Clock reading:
2h58
